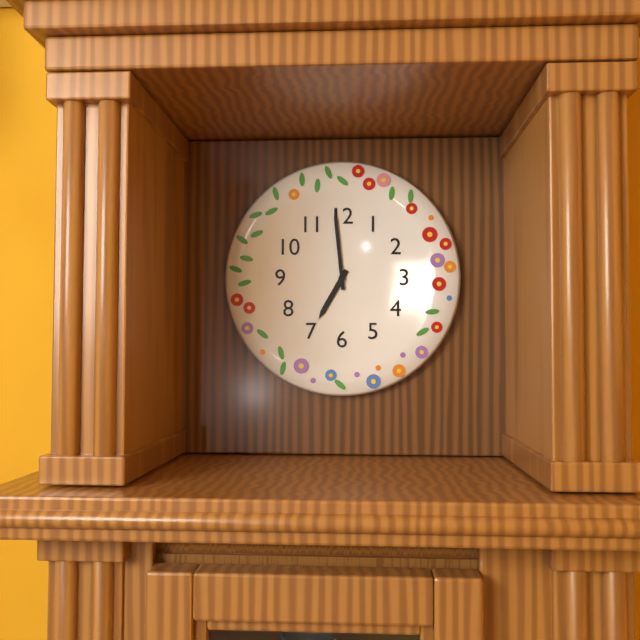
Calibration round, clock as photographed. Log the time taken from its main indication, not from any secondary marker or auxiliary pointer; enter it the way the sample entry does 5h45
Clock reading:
6h59
